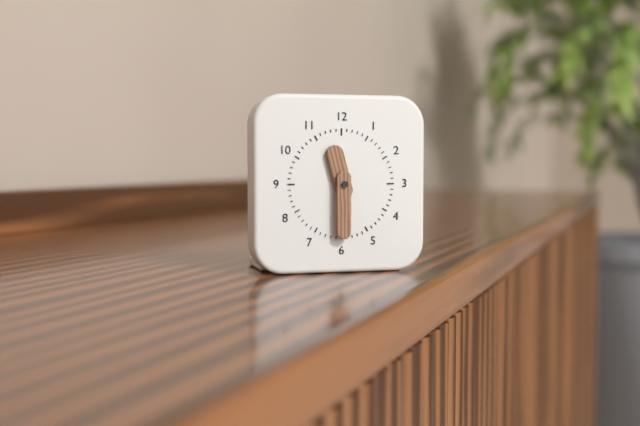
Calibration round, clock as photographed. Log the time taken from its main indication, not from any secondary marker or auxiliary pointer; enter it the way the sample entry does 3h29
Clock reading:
11h30
